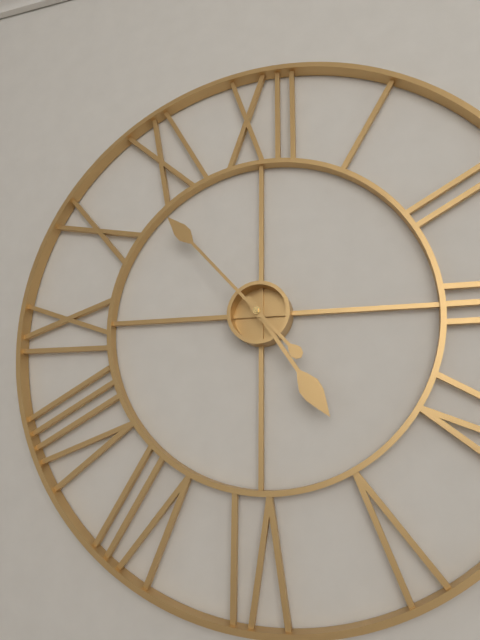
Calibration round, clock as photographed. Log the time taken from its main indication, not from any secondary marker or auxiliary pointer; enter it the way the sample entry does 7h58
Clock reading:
4h53
